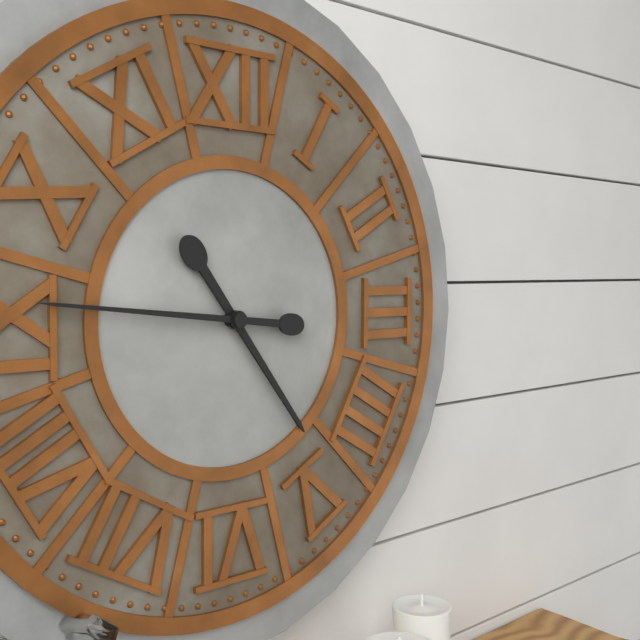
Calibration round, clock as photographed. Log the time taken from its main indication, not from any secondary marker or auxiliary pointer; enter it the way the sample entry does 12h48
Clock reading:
4h46
